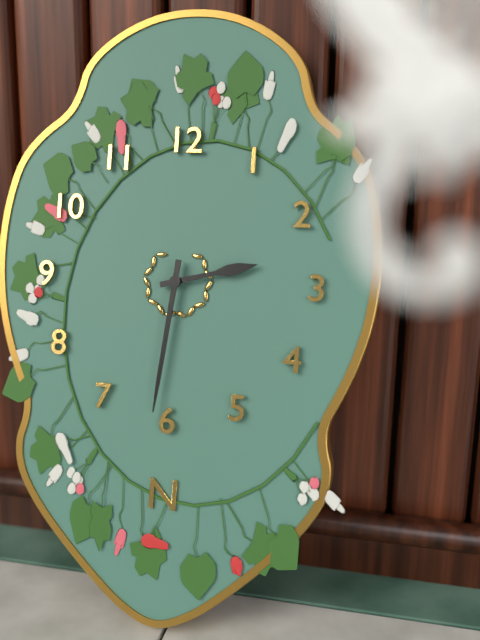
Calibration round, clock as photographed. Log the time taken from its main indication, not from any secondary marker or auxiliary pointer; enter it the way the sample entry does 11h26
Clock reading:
2h31
